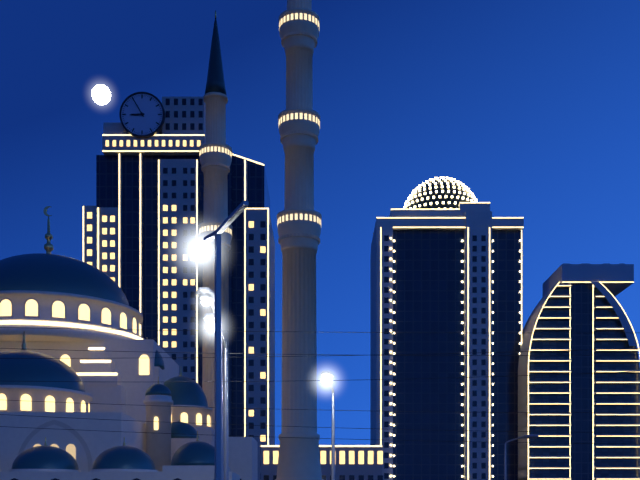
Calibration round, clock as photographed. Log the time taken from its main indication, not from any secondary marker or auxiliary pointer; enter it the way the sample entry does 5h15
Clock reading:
8h55
